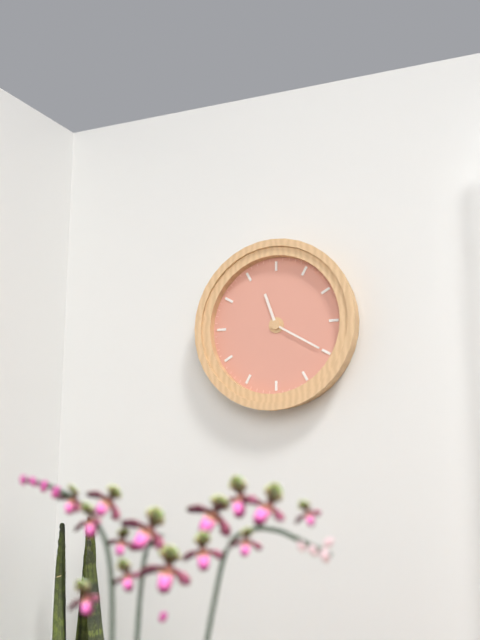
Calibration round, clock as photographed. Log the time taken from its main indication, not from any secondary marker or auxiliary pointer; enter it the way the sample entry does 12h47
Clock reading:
11h20
